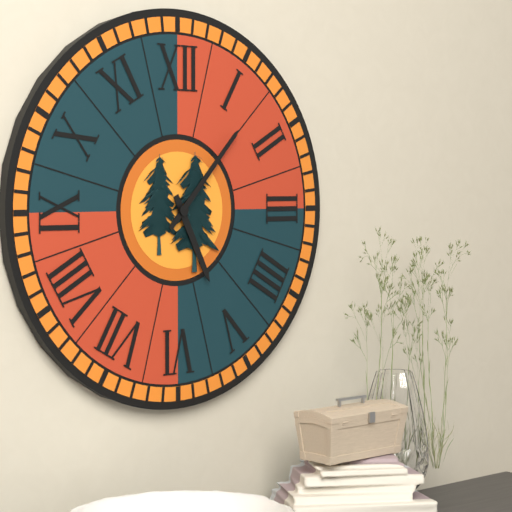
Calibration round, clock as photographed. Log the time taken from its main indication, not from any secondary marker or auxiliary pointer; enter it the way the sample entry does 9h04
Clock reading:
5h07
